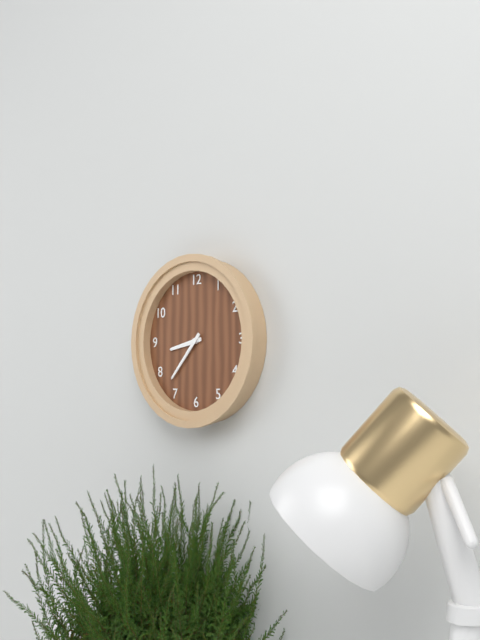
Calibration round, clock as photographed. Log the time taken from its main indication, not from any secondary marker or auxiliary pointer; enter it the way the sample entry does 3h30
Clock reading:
8h37
